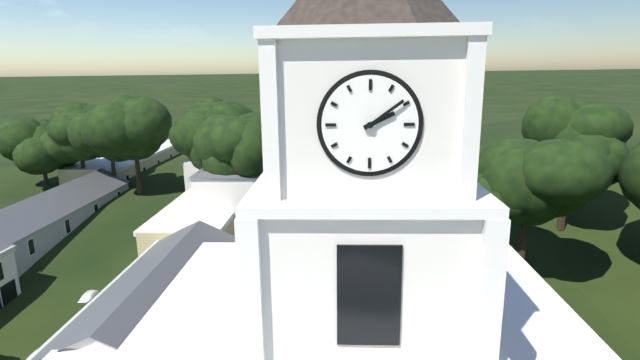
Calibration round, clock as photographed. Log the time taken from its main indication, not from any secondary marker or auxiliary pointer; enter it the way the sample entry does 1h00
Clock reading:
2h09
